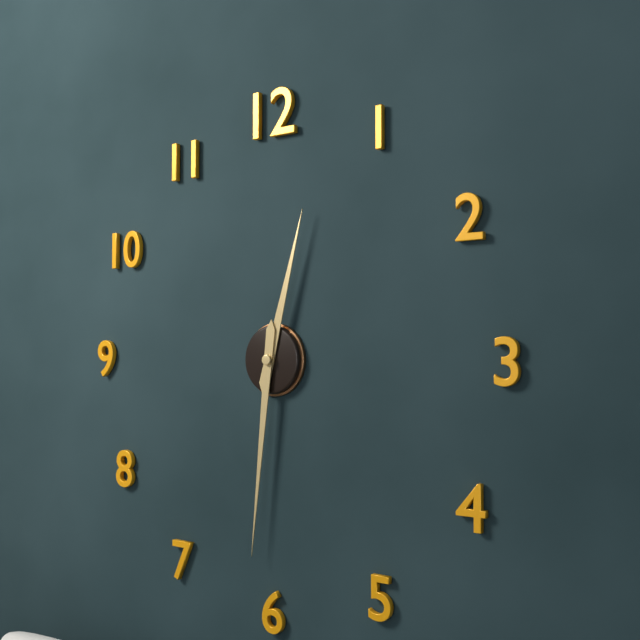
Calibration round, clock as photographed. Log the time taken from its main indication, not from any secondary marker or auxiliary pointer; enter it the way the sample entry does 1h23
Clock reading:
12h31
